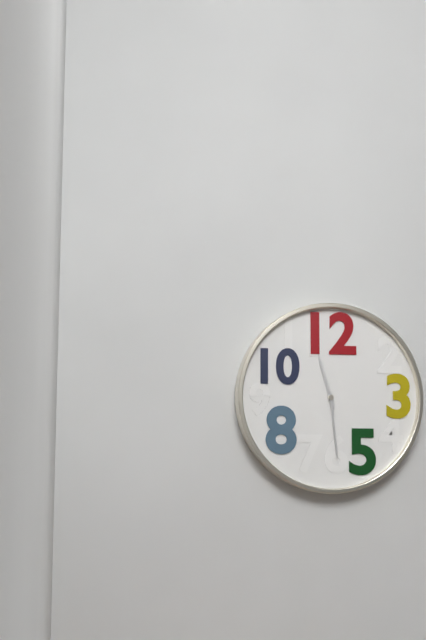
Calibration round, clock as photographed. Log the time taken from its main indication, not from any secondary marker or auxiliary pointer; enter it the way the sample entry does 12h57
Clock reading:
11h29
